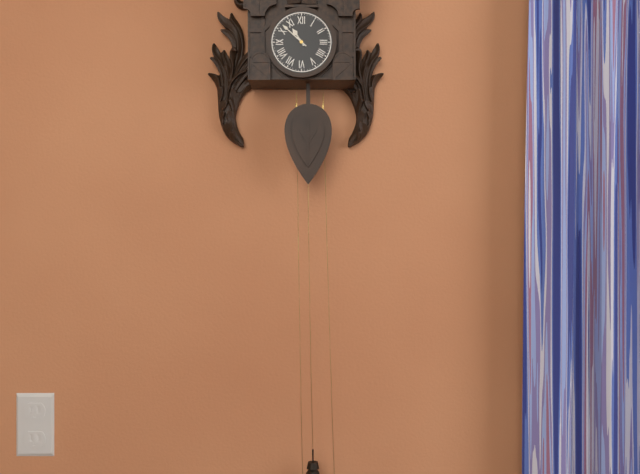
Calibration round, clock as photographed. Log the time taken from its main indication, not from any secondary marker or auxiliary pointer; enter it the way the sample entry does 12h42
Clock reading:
10h52
